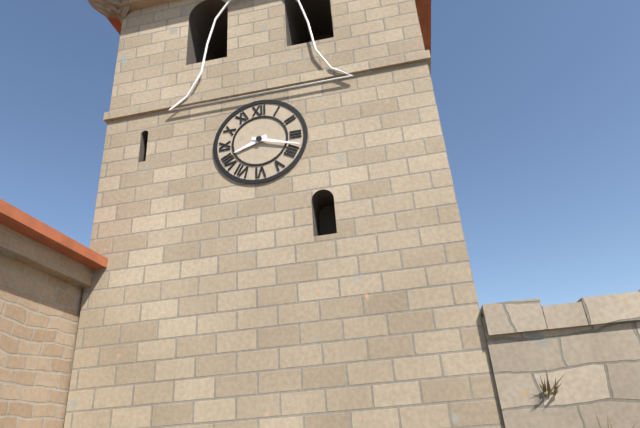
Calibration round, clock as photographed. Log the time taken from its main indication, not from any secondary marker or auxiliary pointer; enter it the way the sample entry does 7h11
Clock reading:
8h18
